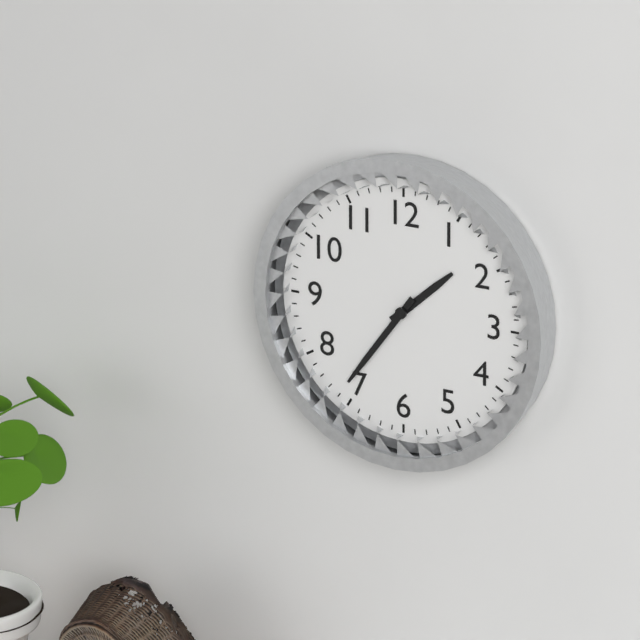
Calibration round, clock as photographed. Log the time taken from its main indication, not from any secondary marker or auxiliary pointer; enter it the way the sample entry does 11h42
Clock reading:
1h36
